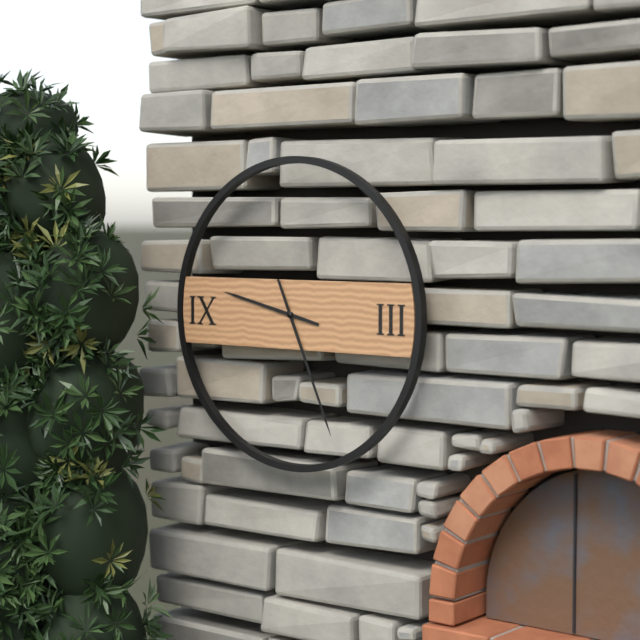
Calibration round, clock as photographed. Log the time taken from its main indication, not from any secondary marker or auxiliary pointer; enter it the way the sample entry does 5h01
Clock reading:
9h26
